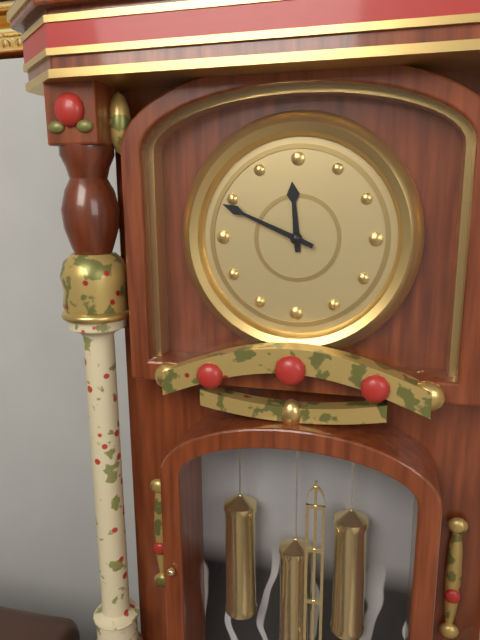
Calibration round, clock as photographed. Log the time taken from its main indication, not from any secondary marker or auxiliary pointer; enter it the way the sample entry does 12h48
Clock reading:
11h49
